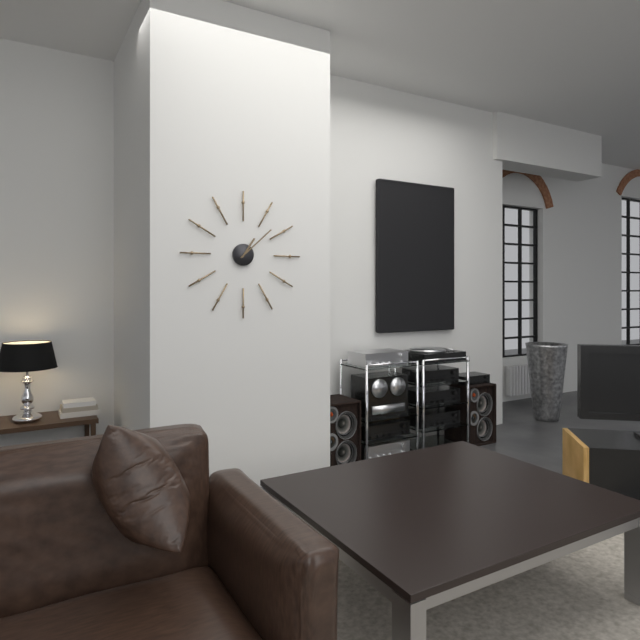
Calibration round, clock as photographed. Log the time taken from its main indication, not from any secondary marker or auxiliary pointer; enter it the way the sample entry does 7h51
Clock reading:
1h08
